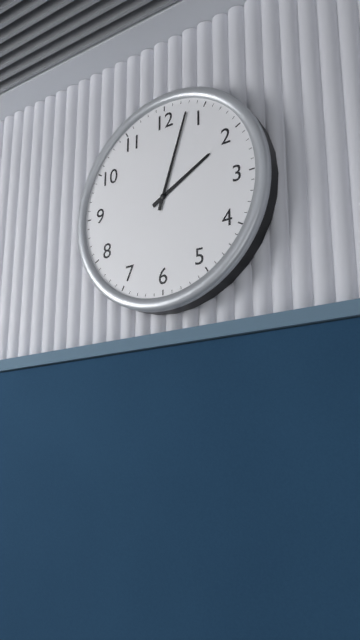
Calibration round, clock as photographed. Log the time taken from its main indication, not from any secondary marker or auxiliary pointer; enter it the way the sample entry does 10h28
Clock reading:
2h03
